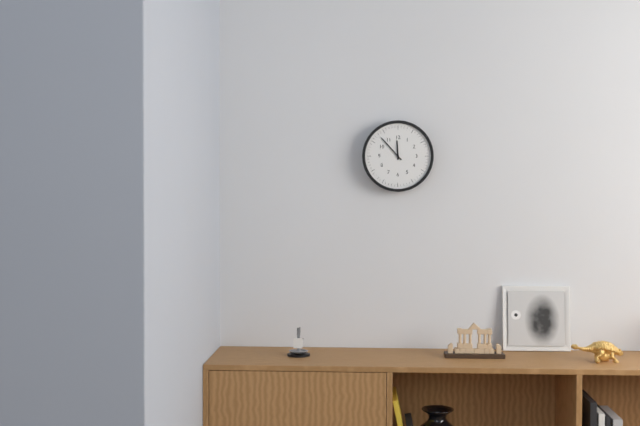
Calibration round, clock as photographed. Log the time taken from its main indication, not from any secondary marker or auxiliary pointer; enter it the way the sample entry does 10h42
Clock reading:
11h53
